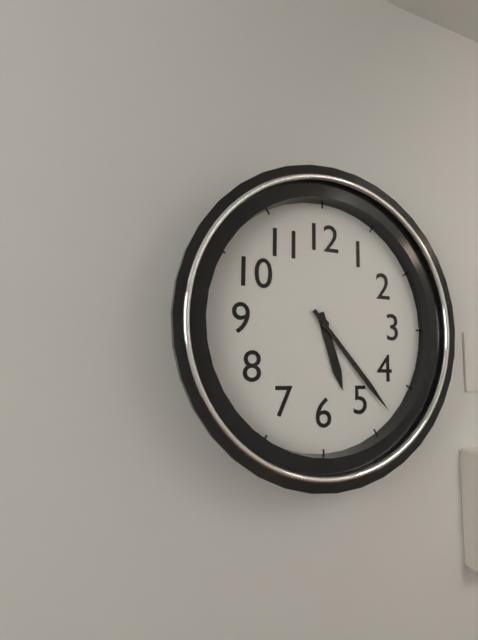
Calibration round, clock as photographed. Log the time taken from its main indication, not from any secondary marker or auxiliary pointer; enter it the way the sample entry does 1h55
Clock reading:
5h23
